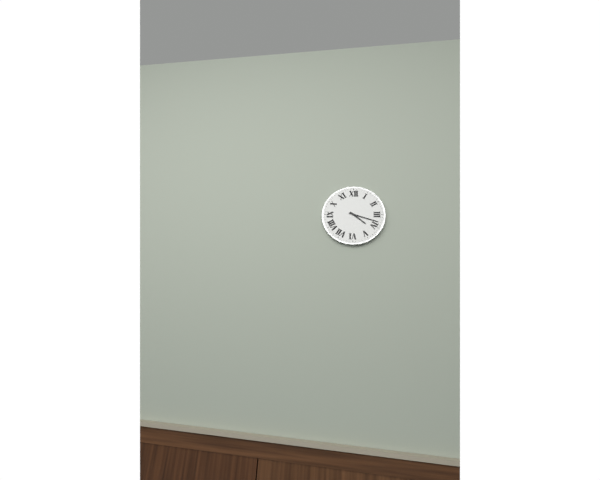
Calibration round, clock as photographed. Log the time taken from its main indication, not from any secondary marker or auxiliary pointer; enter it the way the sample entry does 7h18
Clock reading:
4h18
